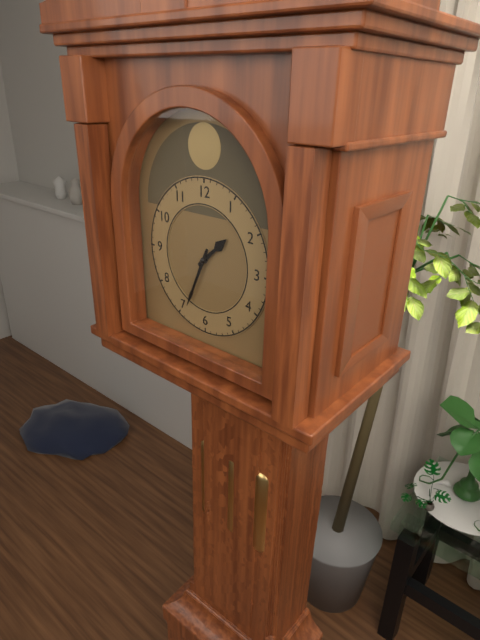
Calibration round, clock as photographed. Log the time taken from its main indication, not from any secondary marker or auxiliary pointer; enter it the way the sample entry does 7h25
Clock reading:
1h34
